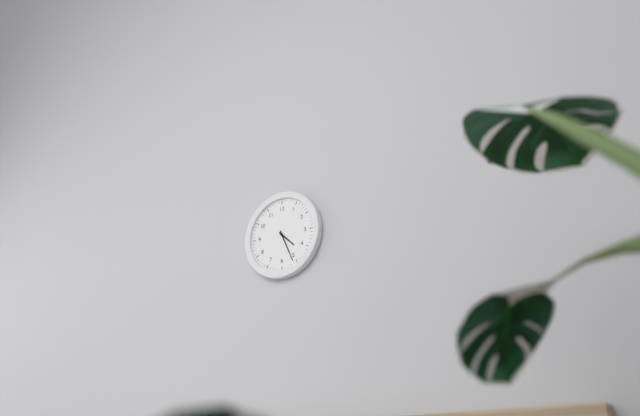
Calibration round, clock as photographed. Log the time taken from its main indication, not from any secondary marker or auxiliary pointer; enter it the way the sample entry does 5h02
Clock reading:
4h26
